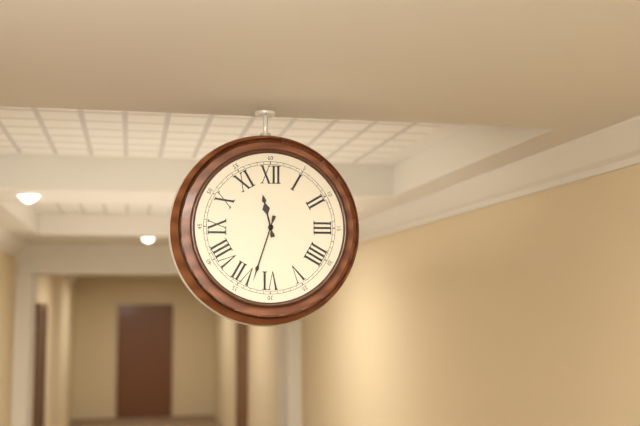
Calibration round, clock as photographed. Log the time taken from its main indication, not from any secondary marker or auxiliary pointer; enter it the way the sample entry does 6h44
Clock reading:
11h33
